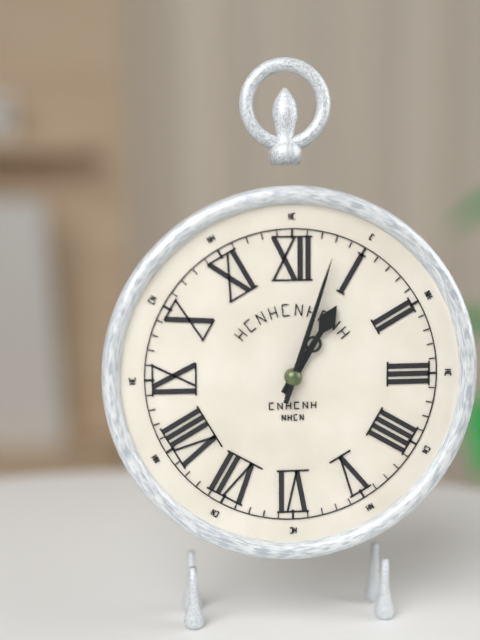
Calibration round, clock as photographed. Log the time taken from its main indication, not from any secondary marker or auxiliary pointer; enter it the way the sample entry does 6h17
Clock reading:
1h03
